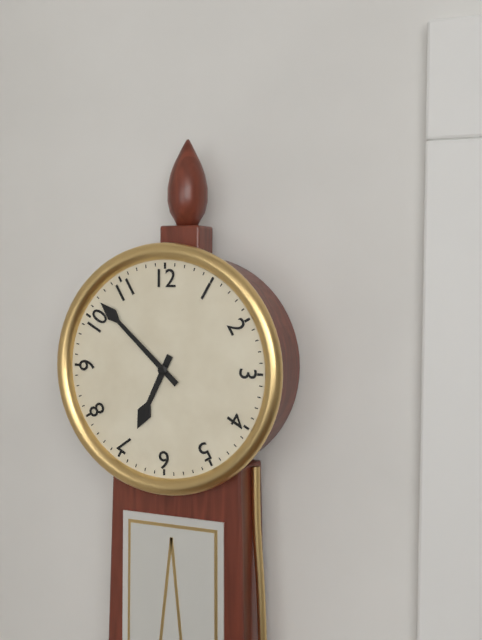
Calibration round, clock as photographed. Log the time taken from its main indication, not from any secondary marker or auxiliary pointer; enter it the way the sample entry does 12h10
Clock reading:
6h52
